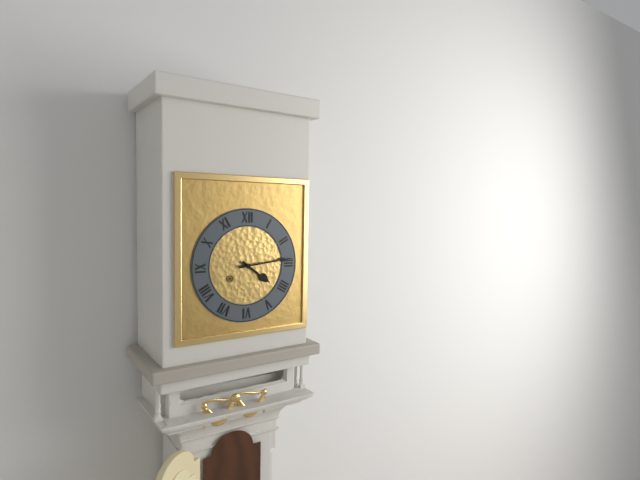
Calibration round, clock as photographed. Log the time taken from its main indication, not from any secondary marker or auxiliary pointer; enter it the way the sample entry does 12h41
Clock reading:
4h14
